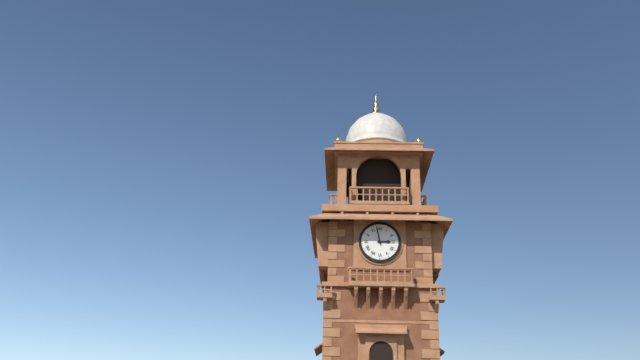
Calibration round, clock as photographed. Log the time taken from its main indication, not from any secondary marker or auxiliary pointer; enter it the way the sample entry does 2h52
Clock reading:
2h58
